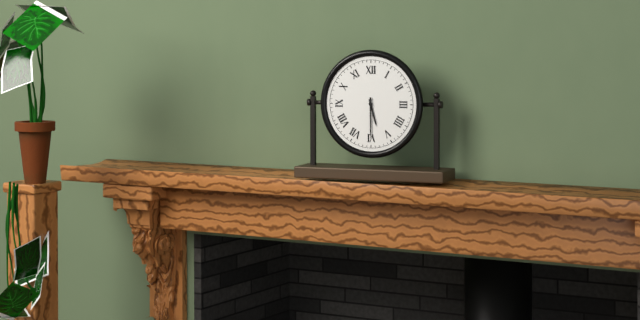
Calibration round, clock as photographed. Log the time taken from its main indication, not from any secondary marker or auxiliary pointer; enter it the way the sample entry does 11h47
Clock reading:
5h30
